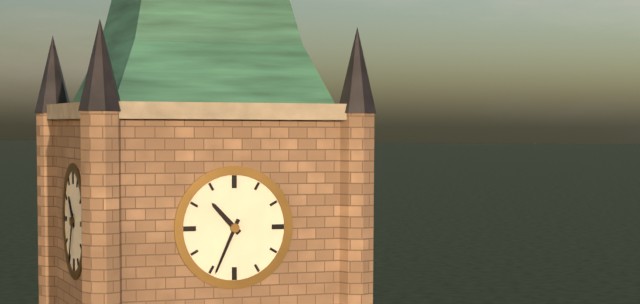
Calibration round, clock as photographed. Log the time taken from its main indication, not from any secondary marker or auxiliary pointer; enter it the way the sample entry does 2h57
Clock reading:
10h34
